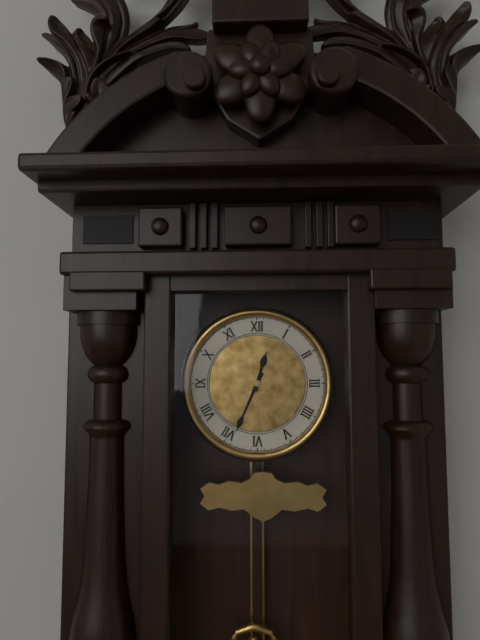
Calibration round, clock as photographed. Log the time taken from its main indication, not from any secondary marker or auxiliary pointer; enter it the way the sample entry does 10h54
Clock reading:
12h34
